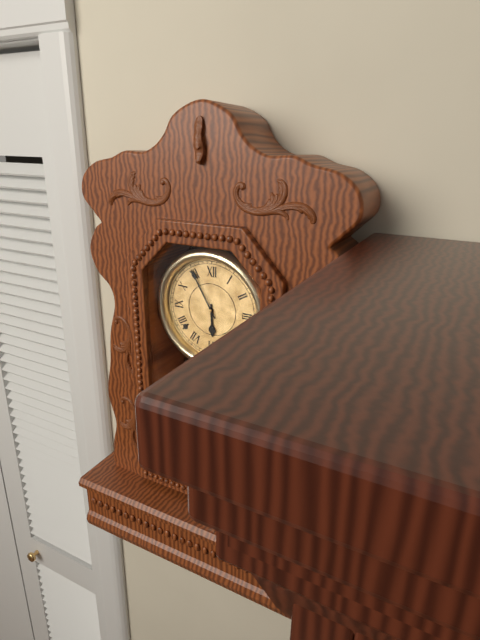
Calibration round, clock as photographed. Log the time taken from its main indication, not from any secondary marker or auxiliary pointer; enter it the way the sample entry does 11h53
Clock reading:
5h55
